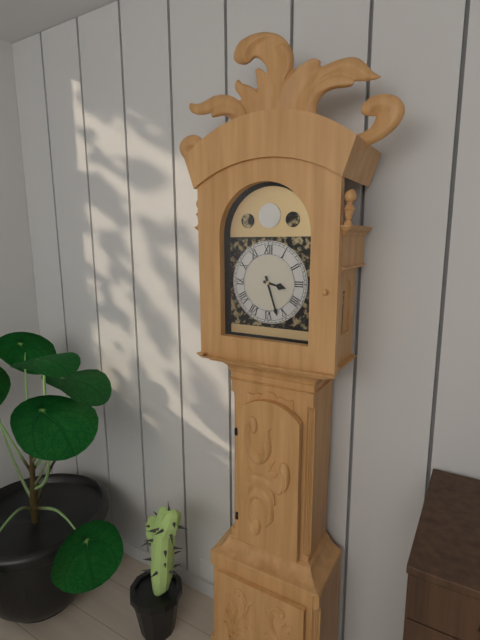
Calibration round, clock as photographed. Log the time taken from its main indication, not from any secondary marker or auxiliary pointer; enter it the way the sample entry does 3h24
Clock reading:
3h27
